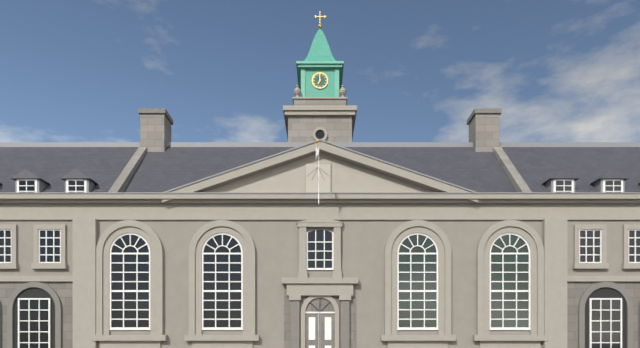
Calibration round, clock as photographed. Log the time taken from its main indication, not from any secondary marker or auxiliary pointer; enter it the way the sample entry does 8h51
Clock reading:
6h59
